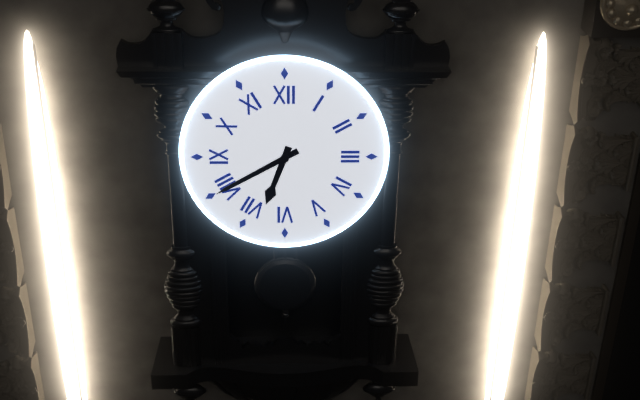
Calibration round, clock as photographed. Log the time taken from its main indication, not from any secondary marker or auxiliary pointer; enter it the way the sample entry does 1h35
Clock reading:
6h40
